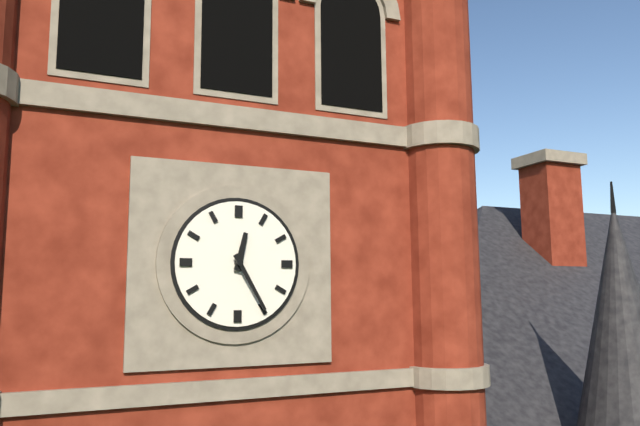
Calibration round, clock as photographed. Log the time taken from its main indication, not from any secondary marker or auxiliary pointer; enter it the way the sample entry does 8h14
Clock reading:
12h25
